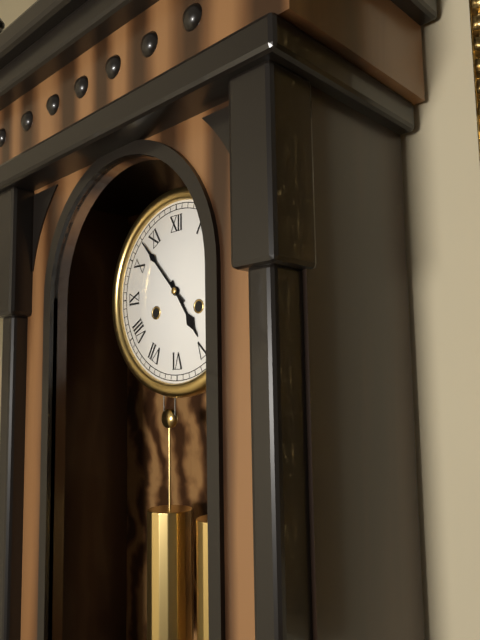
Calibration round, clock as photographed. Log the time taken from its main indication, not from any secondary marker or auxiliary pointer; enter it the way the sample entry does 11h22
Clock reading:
4h53
